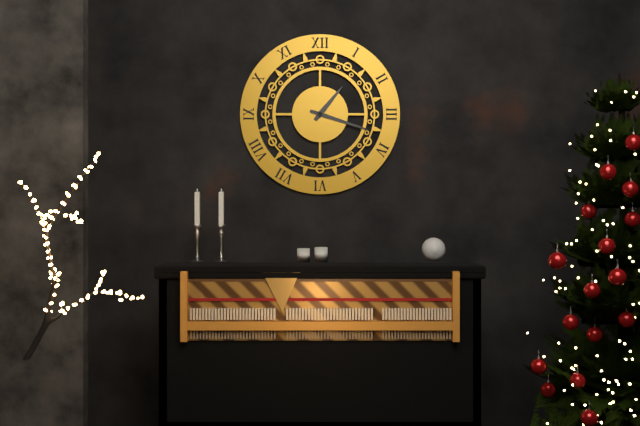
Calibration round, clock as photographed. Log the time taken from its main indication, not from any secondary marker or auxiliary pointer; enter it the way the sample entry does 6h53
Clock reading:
1h18
